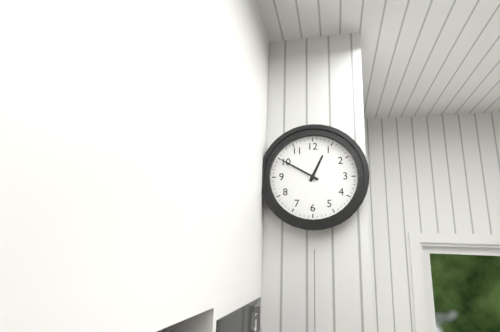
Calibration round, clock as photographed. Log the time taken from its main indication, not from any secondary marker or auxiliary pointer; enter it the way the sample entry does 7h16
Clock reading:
12h50
